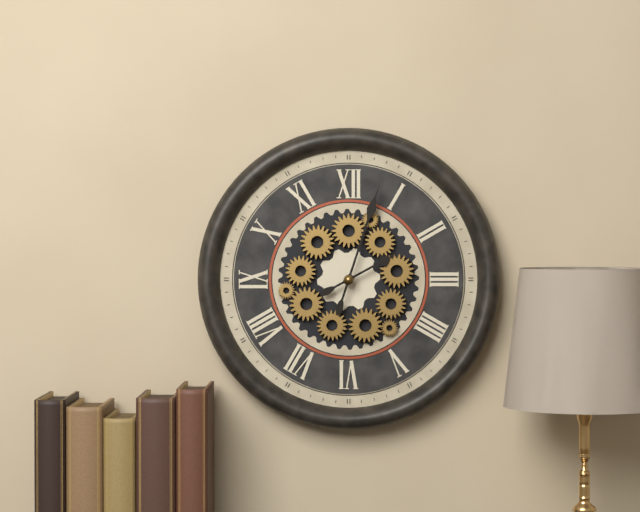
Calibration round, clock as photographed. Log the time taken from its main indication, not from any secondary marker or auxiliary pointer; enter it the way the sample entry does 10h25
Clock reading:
2h03
